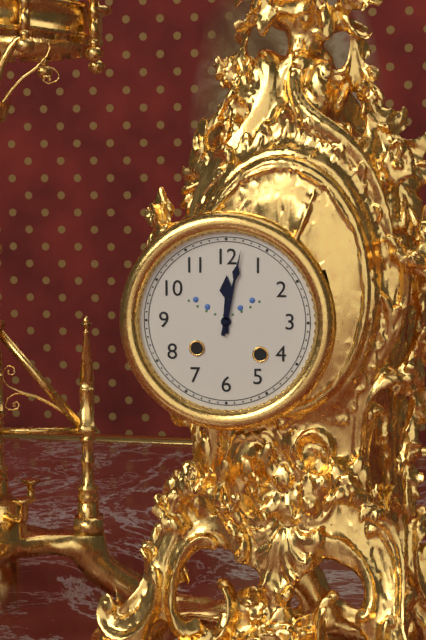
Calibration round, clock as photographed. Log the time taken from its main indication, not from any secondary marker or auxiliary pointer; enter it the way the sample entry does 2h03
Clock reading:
12h02
